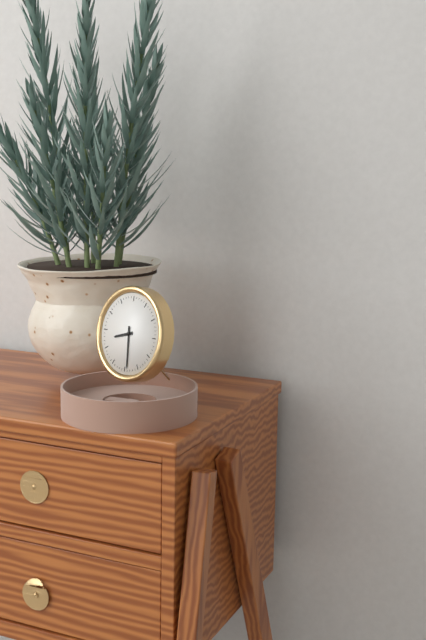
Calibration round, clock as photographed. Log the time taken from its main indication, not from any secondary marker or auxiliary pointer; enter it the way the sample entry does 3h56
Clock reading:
8h29
